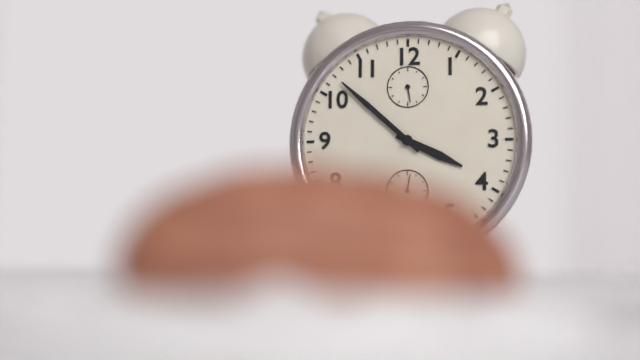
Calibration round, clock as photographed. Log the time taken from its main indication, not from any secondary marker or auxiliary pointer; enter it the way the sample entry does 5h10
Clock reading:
3h52
